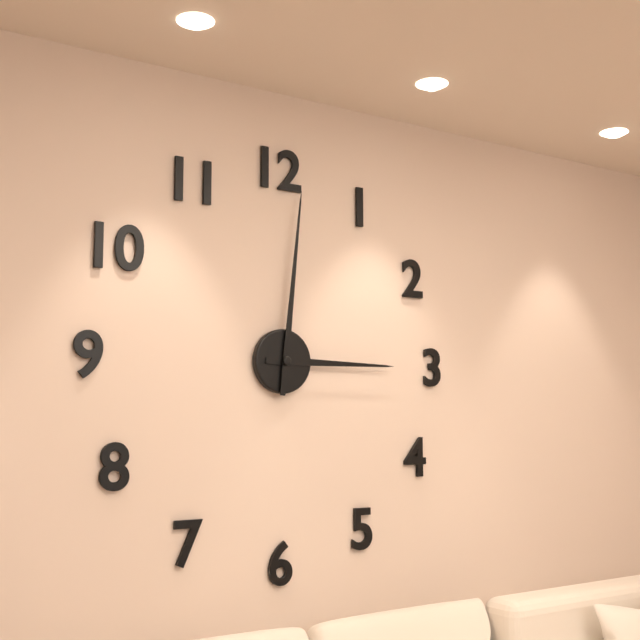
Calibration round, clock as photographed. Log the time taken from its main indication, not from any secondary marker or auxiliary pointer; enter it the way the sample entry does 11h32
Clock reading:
3h01
